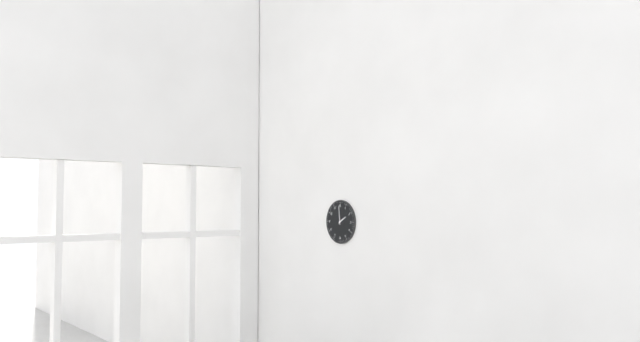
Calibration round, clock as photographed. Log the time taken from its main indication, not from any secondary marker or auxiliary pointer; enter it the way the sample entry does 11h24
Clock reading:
1h59
